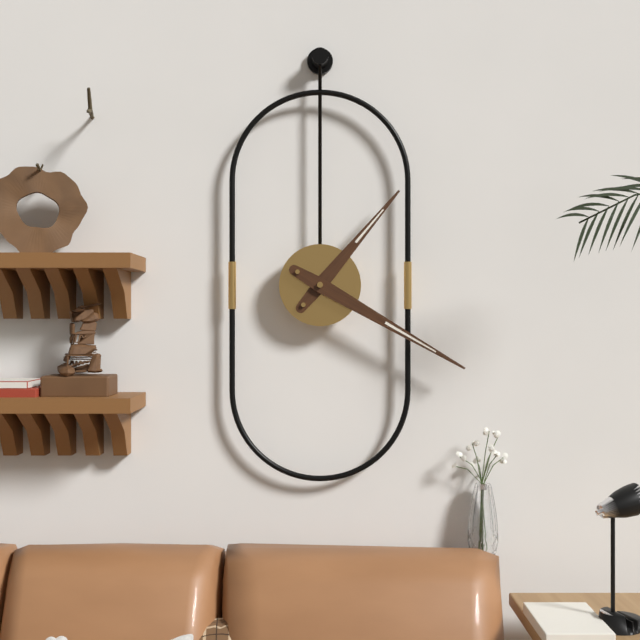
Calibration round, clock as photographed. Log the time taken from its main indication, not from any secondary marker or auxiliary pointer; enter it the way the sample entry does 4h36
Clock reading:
1h20
